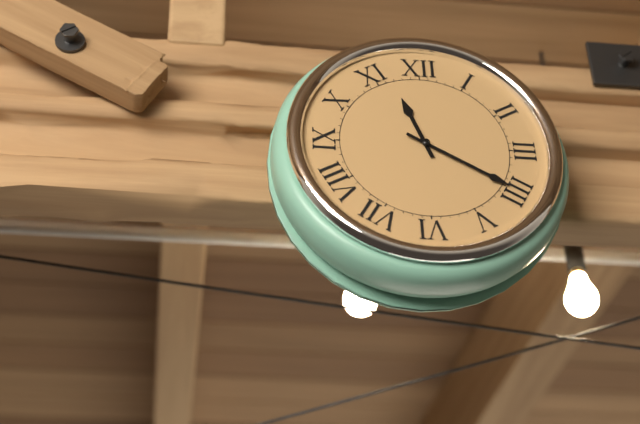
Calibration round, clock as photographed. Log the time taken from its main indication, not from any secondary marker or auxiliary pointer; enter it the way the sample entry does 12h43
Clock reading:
11h20
